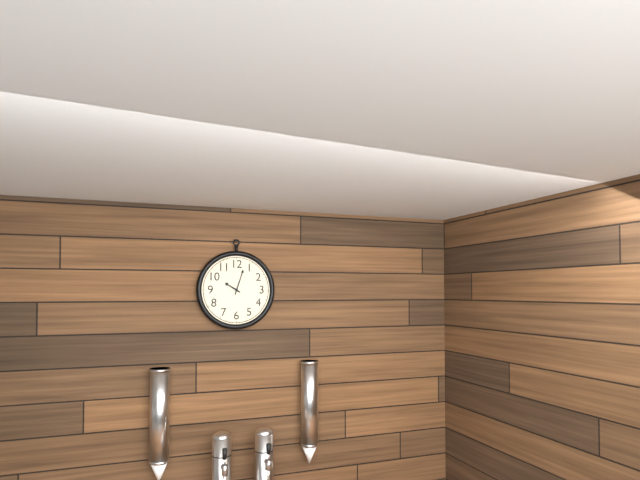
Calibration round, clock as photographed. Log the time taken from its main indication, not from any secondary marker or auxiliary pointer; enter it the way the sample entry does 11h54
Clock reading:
10h03
